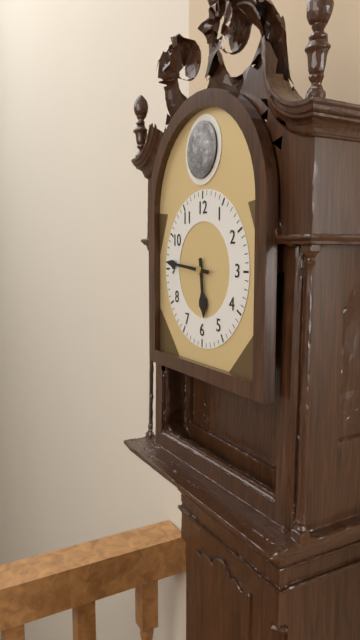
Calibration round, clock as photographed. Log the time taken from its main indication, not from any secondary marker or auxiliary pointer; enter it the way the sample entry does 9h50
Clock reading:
5h46
